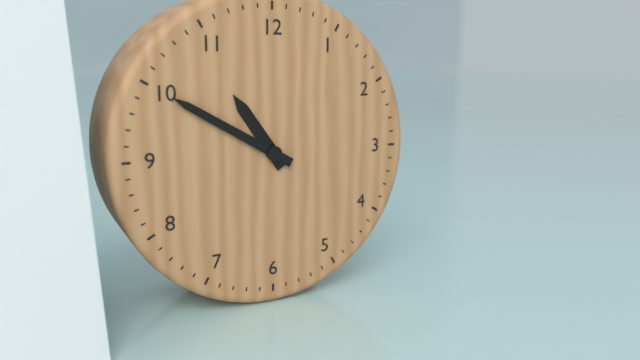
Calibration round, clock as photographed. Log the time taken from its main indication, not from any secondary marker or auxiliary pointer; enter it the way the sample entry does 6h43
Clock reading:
10h50
